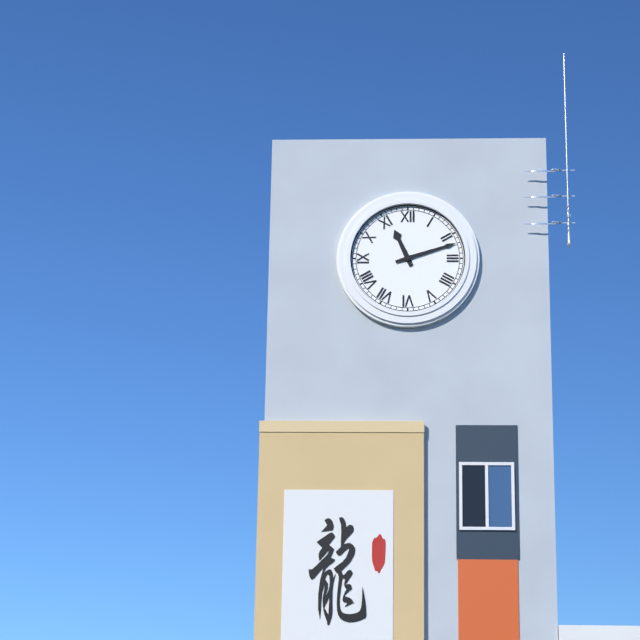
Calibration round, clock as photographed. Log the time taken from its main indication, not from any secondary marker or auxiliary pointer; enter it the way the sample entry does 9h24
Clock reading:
11h12
